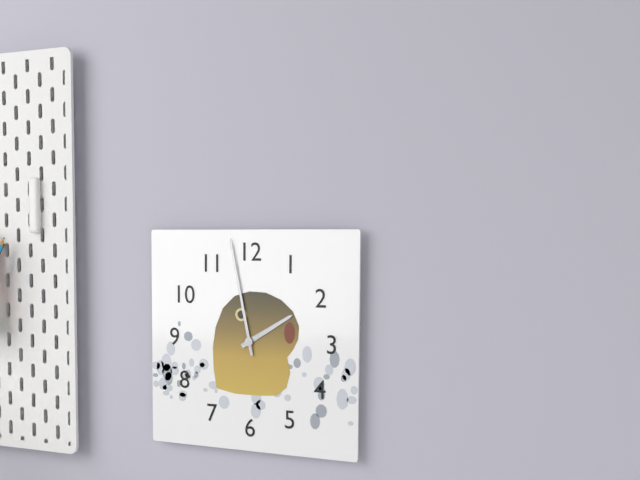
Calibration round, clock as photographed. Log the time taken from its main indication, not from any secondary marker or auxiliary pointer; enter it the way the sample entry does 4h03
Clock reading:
1h58
